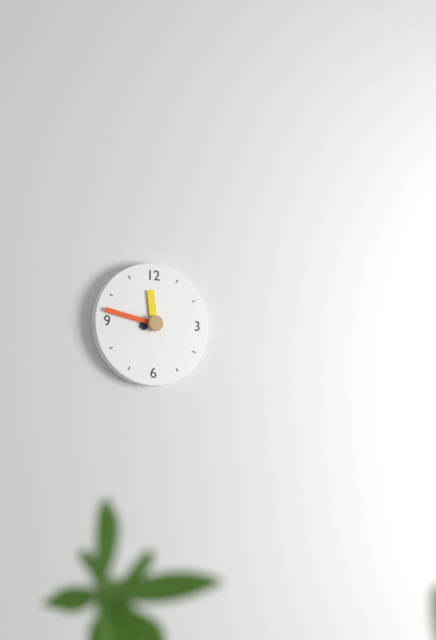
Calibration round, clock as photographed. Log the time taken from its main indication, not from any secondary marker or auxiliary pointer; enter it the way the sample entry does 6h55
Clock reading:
11h47
